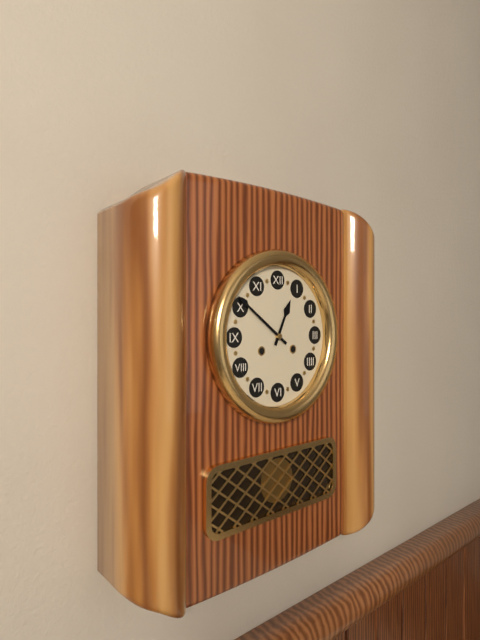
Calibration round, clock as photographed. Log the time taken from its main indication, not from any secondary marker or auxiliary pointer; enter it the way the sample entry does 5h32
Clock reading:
12h51
